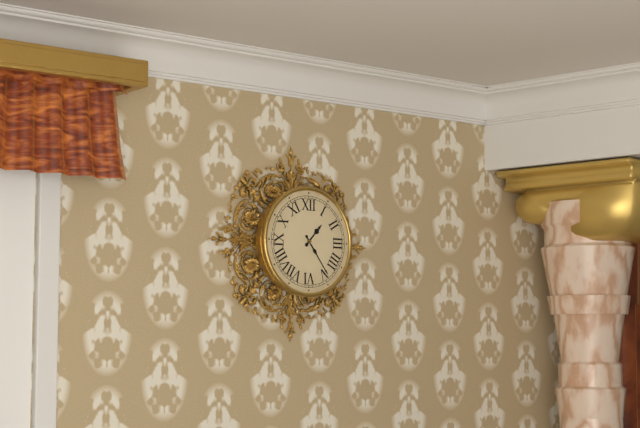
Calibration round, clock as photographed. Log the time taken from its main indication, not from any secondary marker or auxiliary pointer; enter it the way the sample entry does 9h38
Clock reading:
1h24
